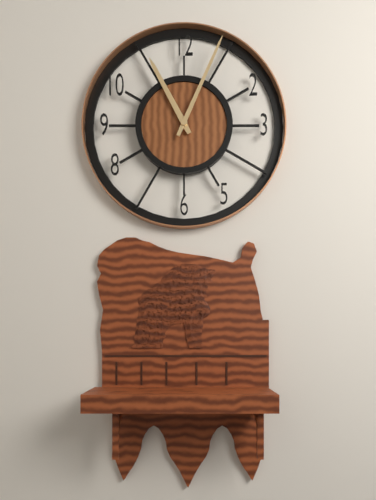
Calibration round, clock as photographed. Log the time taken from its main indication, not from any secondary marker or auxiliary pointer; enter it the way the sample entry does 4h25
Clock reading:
11h04
